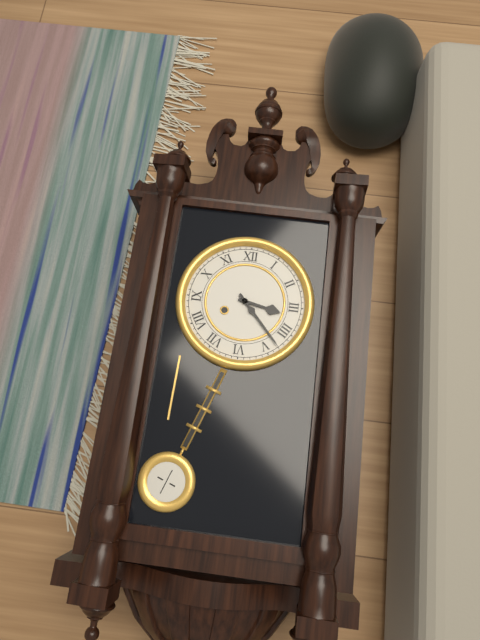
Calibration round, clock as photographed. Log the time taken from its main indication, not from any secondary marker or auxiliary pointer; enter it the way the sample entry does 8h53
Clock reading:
3h23
